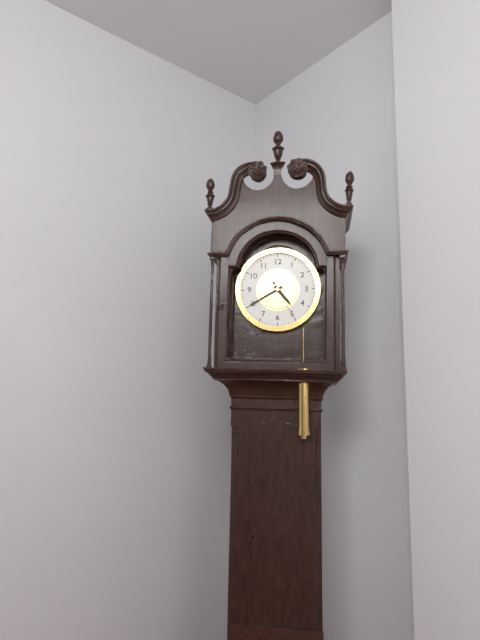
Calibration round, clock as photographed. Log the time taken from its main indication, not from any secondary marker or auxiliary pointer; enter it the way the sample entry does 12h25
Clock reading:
4h40
